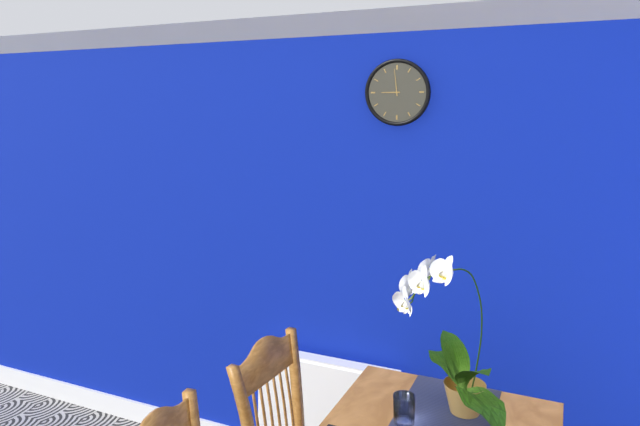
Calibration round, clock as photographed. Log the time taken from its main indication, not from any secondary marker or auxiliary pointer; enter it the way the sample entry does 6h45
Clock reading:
8h59
